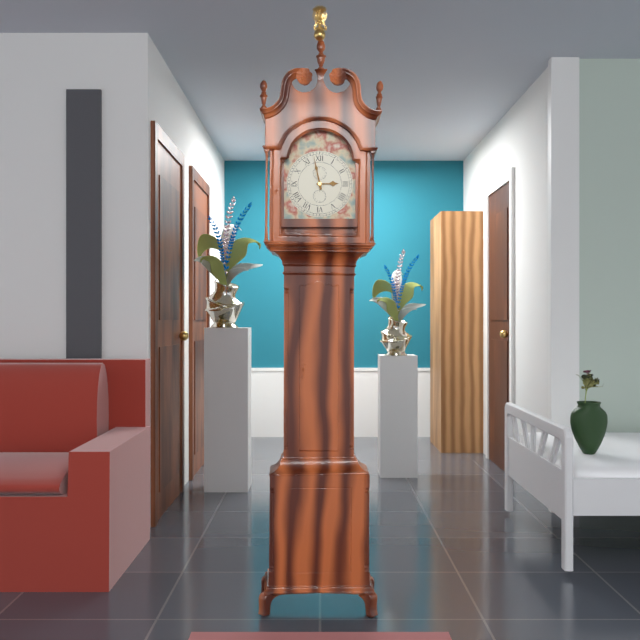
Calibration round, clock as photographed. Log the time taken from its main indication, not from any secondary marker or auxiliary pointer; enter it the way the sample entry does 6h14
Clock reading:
2h58
